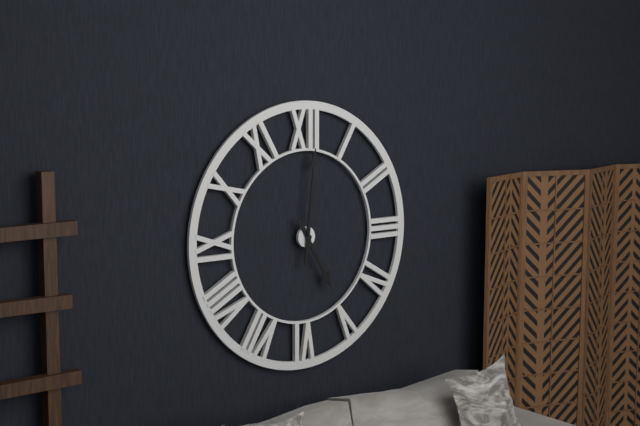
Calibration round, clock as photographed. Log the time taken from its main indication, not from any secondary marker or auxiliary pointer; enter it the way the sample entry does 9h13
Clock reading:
5h01
